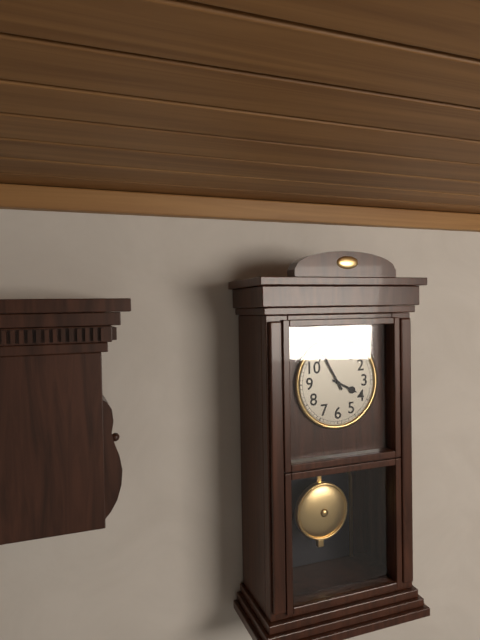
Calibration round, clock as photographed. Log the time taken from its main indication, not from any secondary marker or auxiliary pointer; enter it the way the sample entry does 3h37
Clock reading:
3h55
